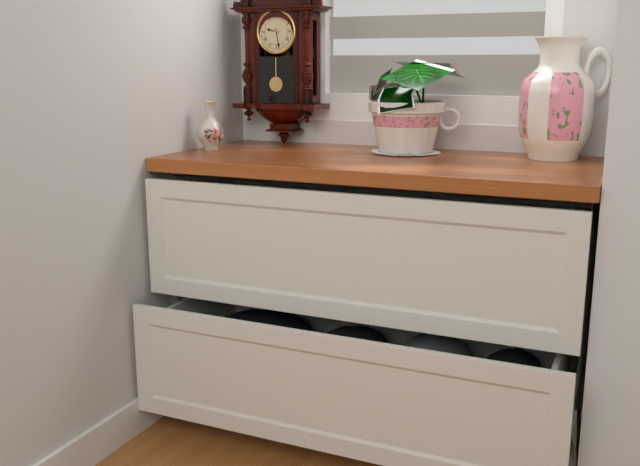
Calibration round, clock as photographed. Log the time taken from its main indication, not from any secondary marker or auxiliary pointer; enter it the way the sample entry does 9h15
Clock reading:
9h28
